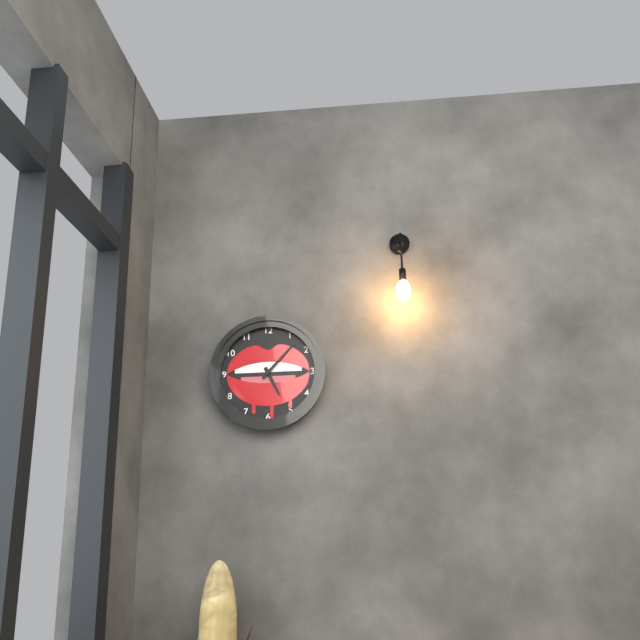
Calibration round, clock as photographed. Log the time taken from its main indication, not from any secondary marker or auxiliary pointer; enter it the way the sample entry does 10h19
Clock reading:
5h07
